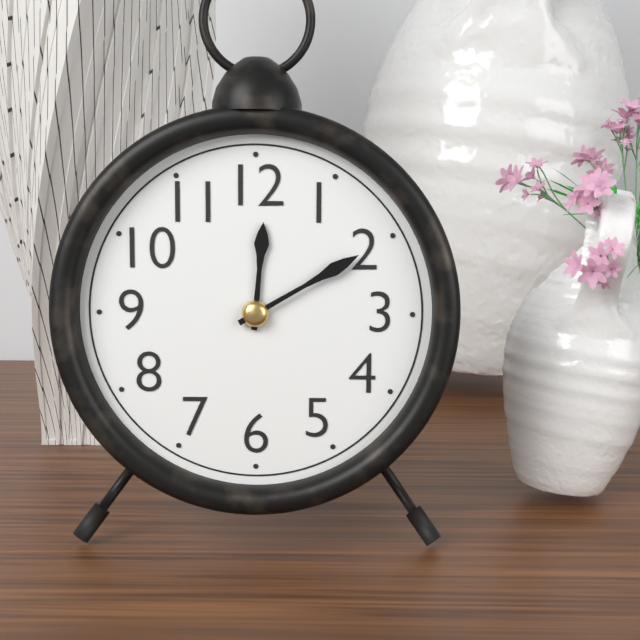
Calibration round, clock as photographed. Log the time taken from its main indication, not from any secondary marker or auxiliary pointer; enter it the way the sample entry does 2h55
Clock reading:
12h10
